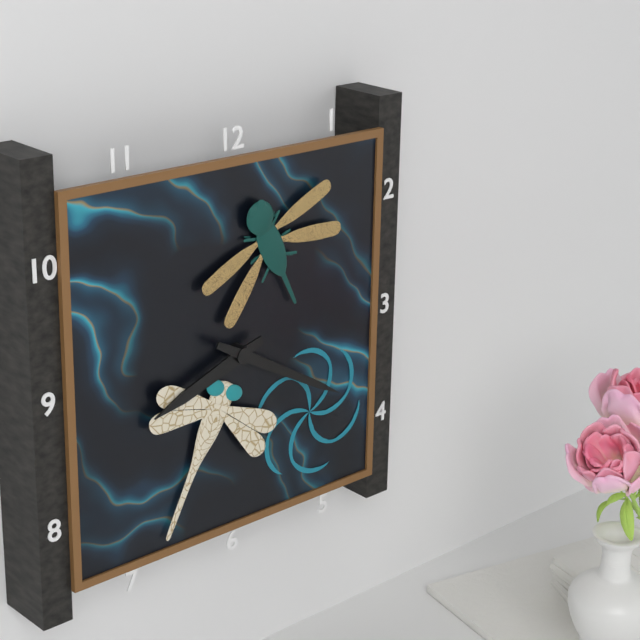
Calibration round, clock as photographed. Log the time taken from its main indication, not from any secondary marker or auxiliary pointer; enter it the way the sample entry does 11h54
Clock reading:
8h20
